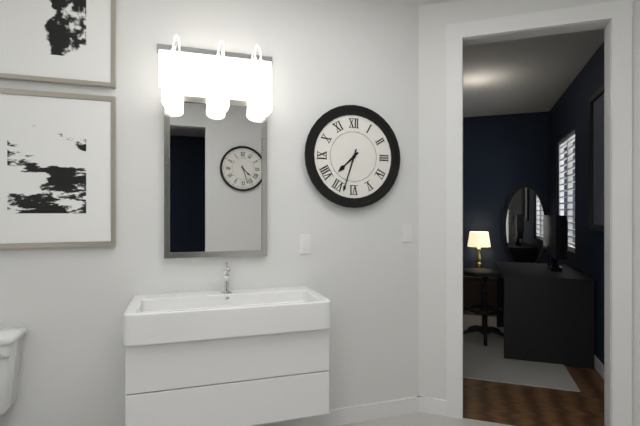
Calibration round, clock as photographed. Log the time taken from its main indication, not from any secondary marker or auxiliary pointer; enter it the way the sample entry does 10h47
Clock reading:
7h33
